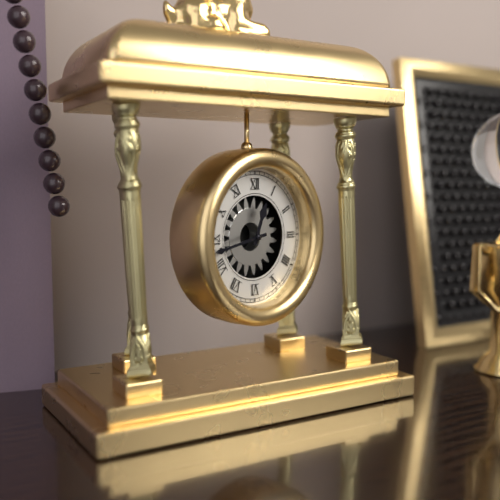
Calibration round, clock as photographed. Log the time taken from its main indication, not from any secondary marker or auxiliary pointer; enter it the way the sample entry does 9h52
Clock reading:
12h43
